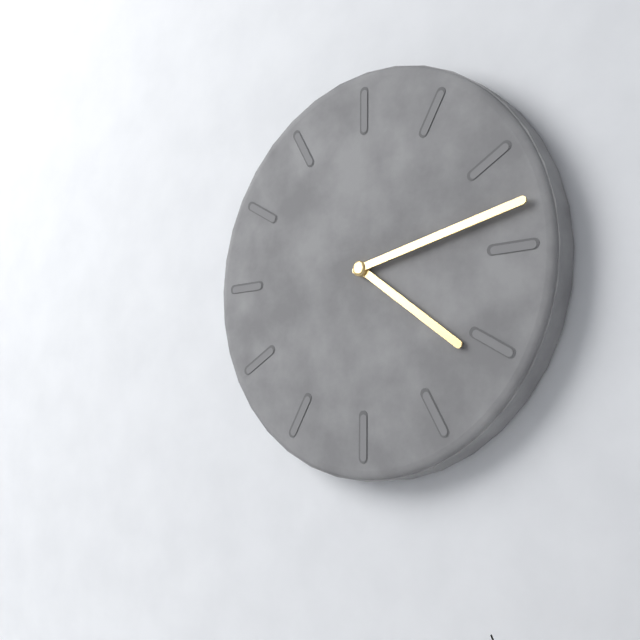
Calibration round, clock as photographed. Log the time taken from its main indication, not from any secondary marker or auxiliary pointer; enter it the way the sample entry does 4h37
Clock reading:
4h13
